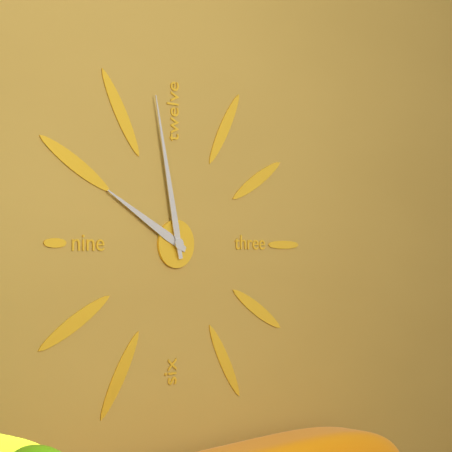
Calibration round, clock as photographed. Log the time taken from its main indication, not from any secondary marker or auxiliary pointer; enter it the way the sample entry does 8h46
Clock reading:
9h58
